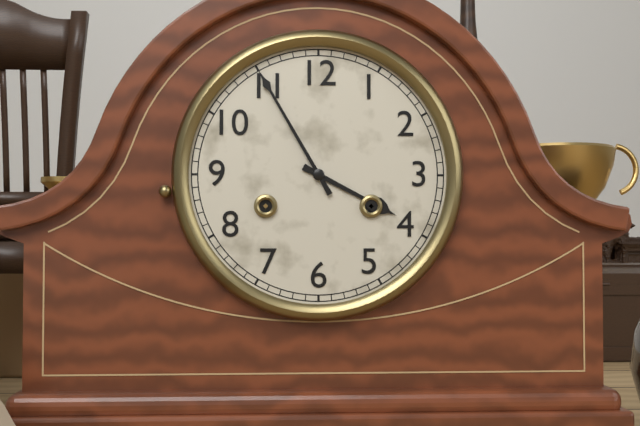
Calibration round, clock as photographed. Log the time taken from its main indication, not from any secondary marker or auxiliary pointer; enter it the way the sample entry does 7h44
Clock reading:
3h55
